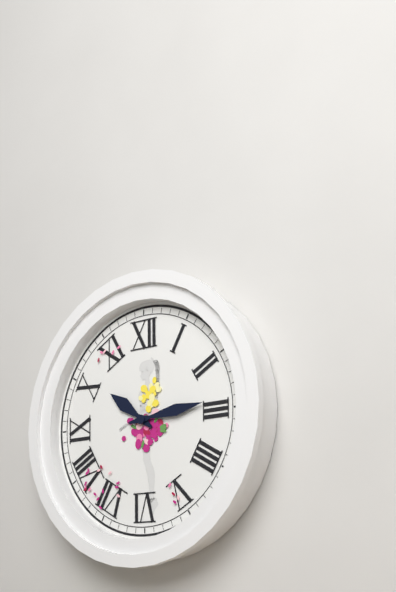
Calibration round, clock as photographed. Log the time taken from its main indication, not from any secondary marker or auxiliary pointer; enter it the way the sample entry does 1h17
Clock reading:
10h14
